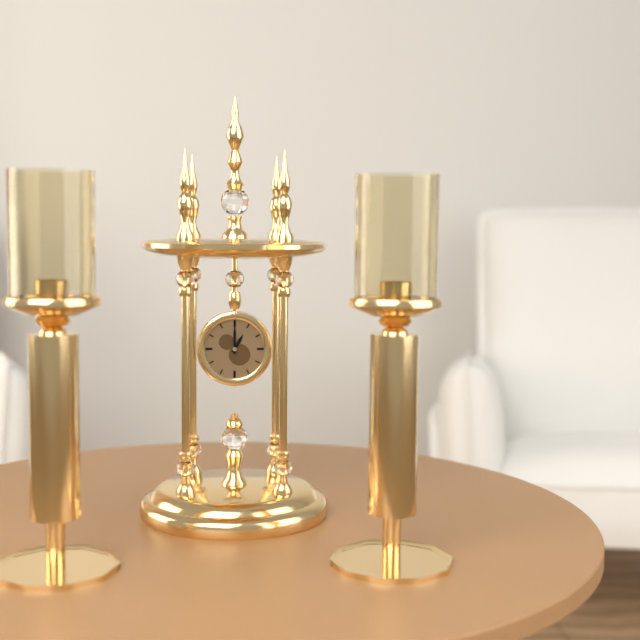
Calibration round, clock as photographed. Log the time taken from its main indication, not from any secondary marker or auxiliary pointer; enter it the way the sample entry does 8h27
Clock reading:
1h00
